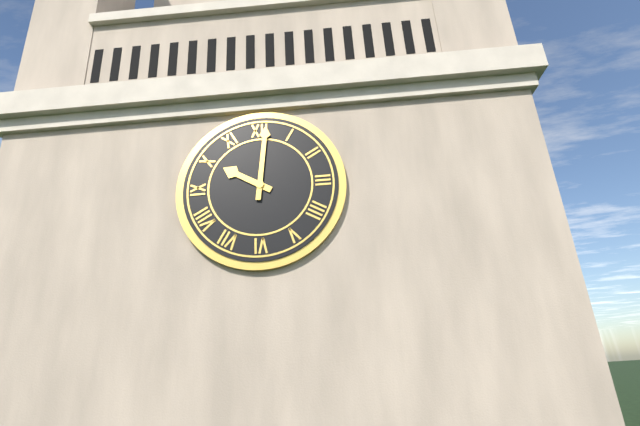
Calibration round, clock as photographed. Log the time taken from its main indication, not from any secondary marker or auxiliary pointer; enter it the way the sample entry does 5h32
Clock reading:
10h01
